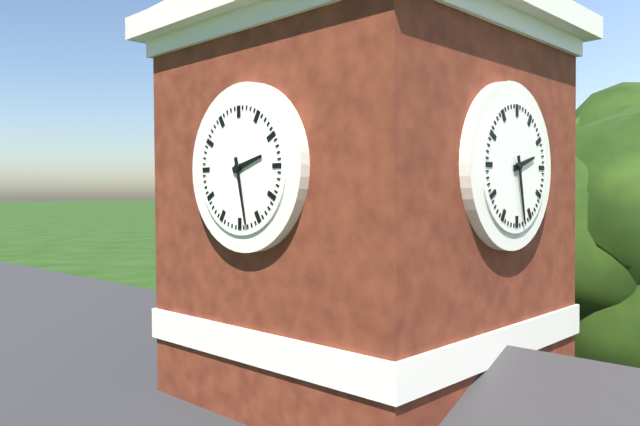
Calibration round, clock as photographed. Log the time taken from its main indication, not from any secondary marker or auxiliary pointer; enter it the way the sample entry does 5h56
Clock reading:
2h28
